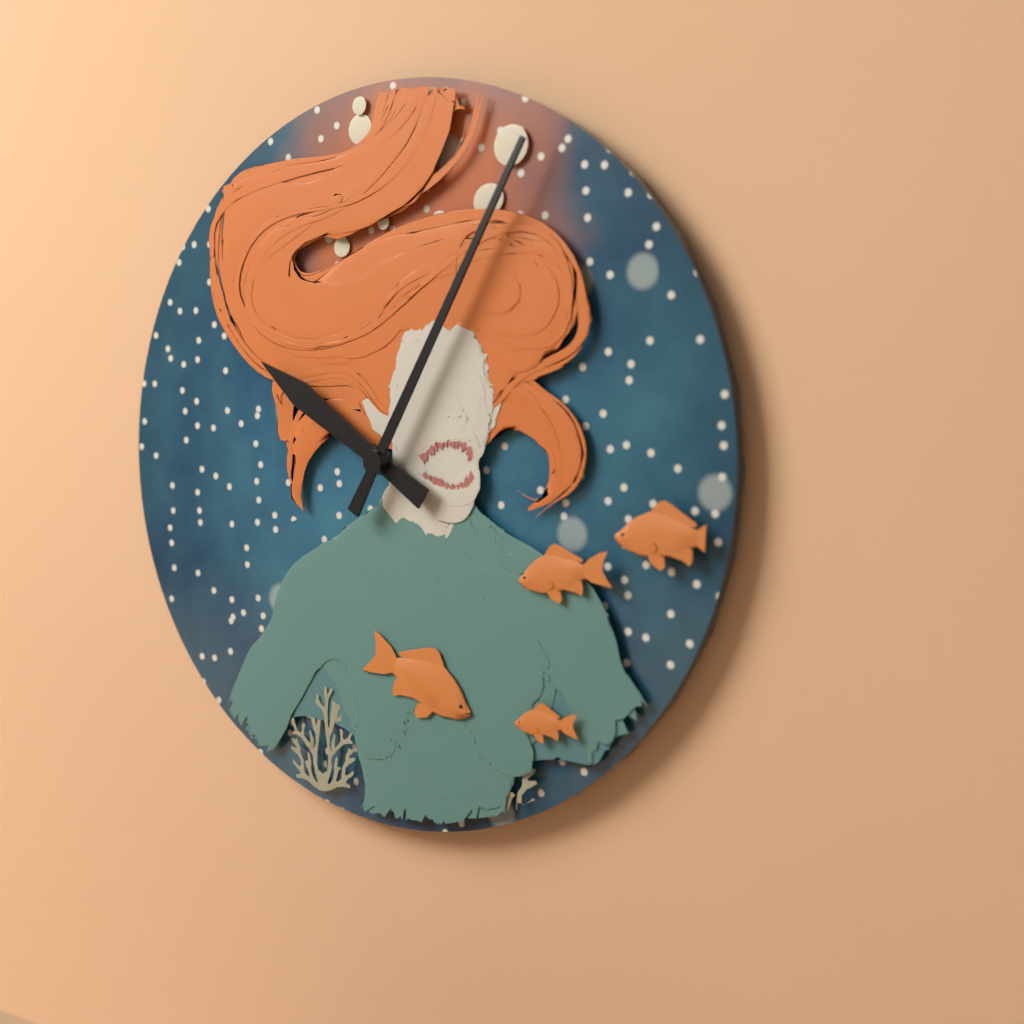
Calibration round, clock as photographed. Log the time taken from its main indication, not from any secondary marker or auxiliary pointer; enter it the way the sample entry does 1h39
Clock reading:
10h05
